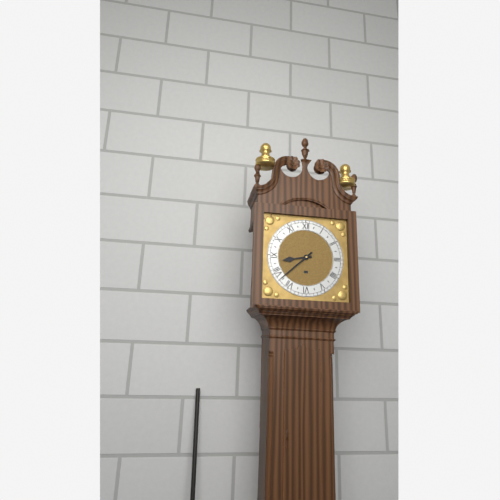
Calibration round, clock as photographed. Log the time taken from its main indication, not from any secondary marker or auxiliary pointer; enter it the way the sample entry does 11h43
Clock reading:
8h38
